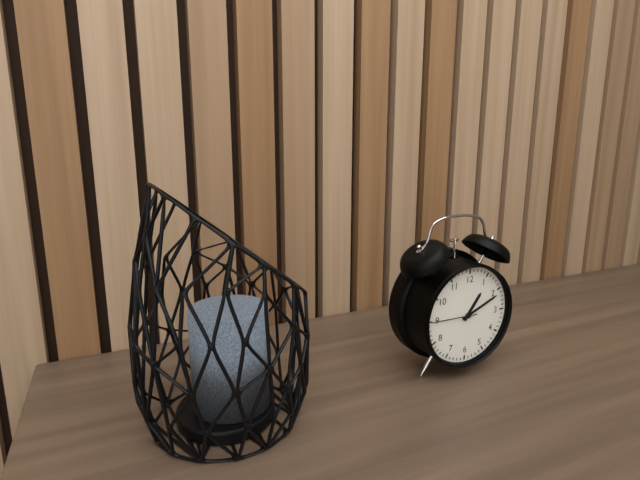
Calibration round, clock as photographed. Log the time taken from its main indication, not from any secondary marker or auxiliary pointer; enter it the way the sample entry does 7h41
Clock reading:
1h11
